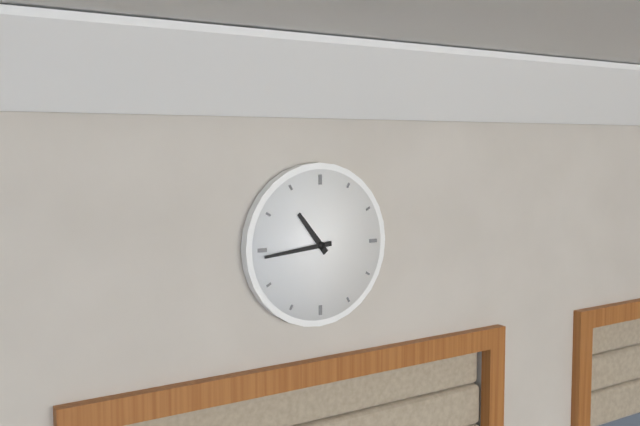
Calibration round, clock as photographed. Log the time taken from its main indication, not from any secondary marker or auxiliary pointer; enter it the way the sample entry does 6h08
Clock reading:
10h44
